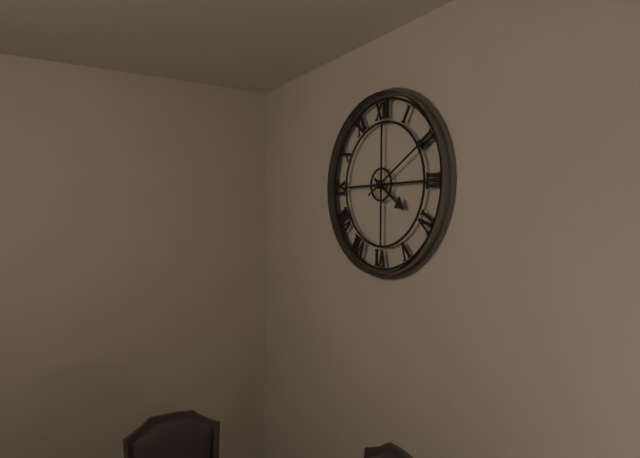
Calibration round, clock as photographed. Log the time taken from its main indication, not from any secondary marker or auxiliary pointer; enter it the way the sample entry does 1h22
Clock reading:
4h10
